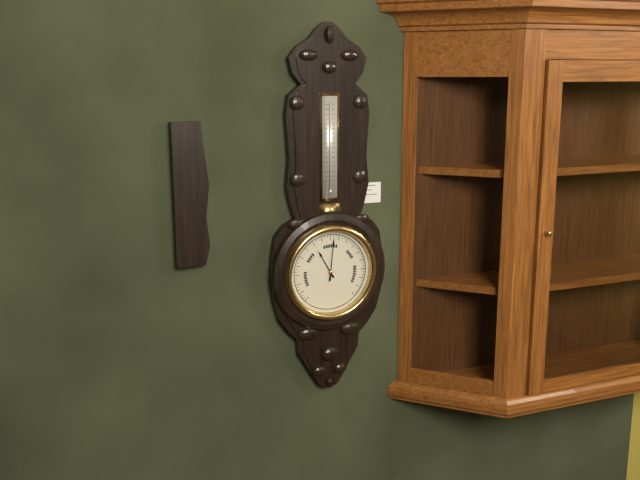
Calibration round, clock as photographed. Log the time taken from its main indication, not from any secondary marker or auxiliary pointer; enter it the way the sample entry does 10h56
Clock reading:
11h01
